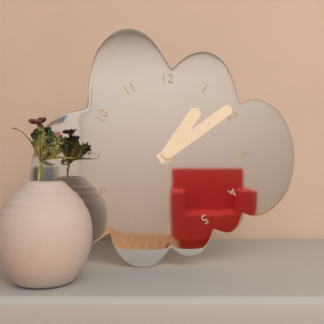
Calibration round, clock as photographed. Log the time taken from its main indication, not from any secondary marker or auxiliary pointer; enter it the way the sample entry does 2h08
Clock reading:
1h09
